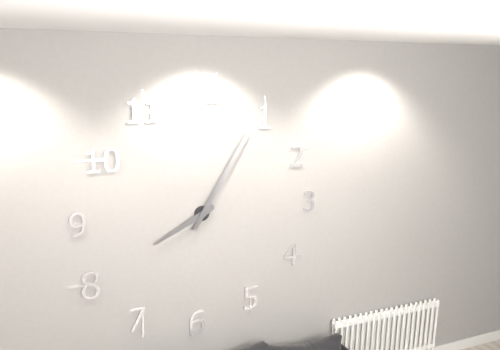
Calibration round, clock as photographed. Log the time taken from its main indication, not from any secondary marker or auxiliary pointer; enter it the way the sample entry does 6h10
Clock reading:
8h05
